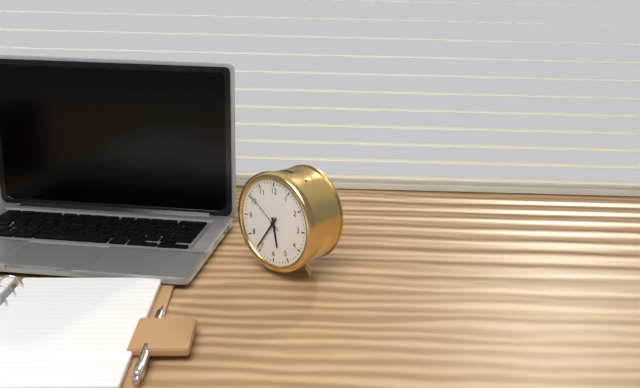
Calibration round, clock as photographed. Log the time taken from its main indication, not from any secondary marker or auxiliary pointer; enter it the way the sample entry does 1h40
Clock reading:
5h36
